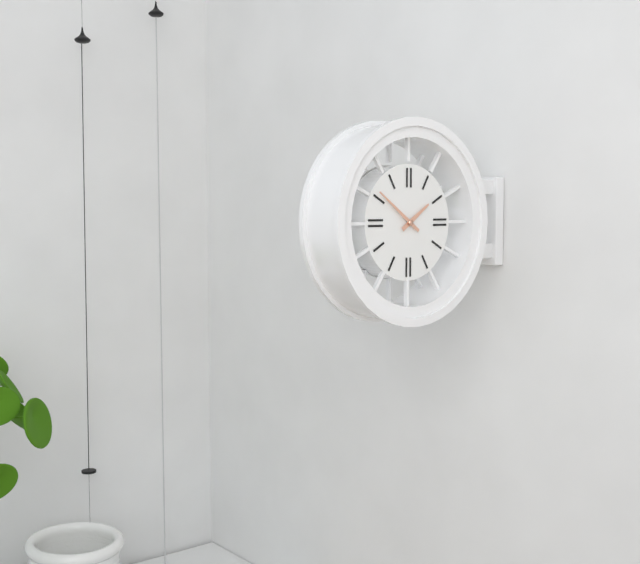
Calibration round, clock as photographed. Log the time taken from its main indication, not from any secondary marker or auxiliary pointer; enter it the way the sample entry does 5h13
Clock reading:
1h51
